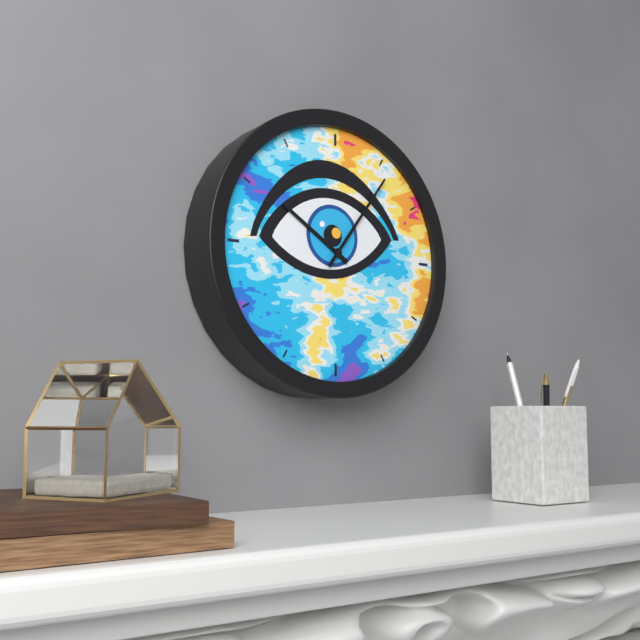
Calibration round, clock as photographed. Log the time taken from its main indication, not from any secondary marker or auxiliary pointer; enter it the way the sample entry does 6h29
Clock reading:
10h06
